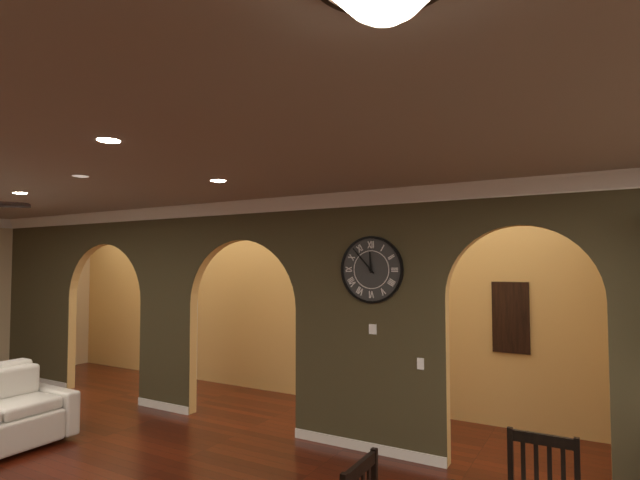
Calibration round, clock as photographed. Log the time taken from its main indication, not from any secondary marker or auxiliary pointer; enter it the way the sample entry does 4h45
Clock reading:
11h53
